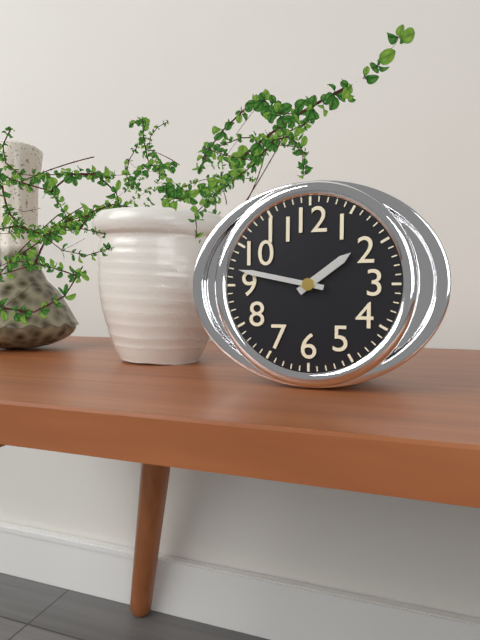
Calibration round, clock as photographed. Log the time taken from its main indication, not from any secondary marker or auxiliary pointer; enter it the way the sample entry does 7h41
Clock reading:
1h47
